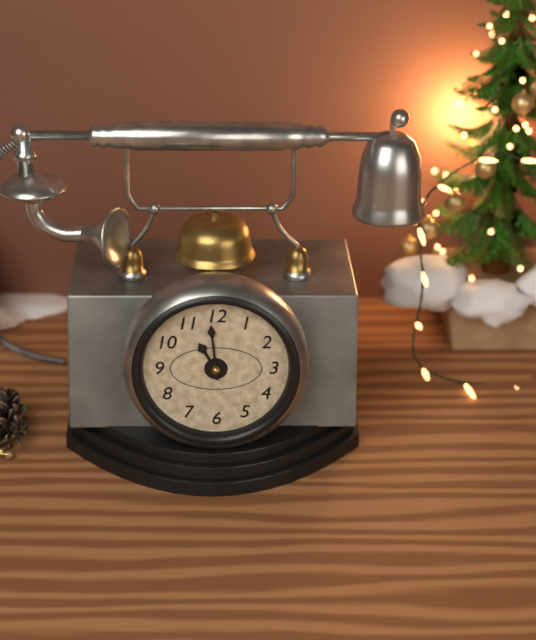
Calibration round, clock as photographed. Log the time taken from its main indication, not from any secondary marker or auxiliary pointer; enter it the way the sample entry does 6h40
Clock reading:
10h59
